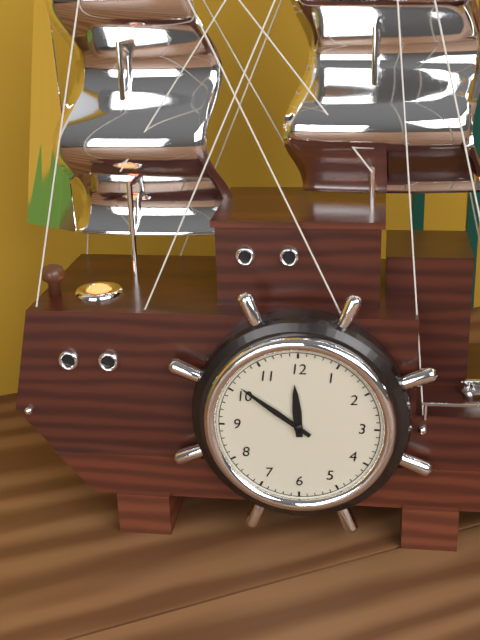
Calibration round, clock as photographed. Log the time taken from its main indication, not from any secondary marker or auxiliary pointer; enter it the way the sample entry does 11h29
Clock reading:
11h51
